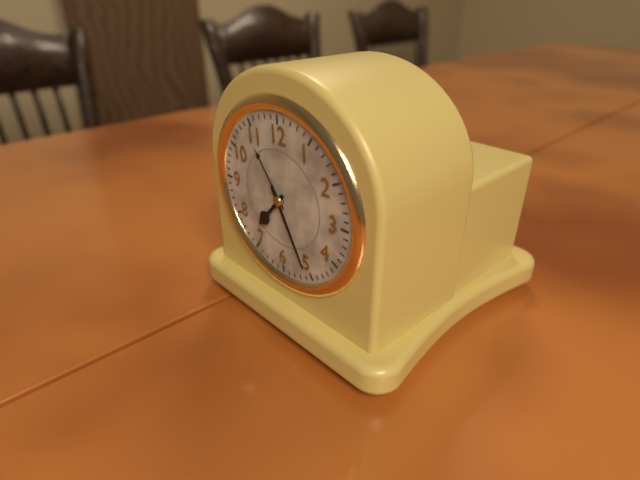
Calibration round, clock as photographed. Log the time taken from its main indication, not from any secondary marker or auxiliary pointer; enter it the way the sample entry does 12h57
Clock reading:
7h25
